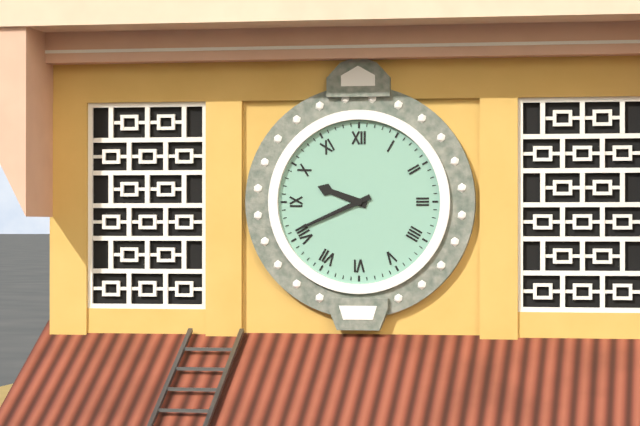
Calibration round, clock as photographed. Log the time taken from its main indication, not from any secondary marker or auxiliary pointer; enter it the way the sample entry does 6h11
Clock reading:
9h41
